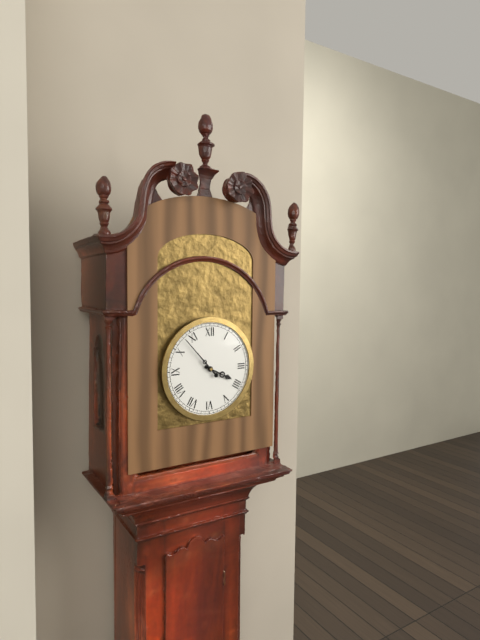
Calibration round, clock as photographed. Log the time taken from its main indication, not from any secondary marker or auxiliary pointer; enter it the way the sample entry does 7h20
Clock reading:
3h53
